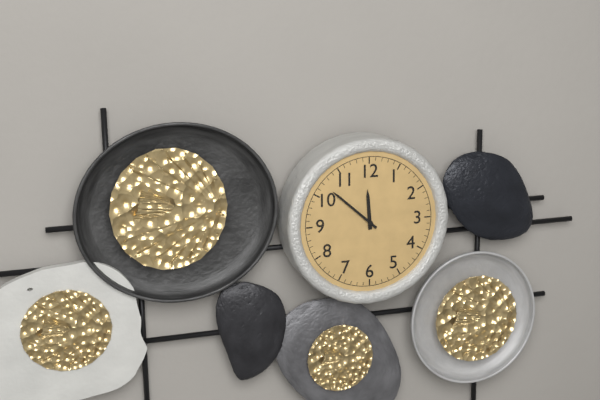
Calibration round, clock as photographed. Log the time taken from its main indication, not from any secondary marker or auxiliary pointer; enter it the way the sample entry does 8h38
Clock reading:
11h52
